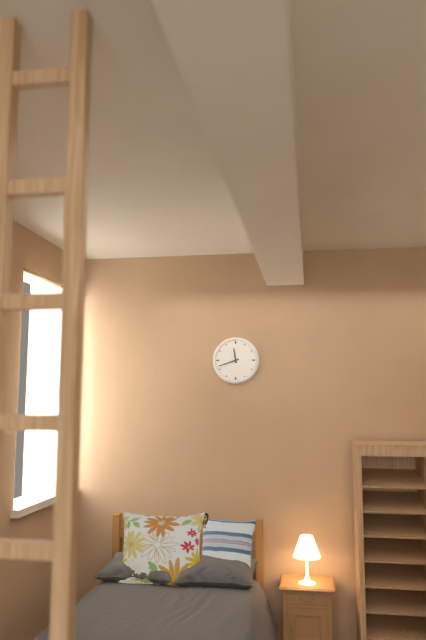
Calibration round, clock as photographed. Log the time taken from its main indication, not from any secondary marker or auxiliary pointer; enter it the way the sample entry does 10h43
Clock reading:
11h42
